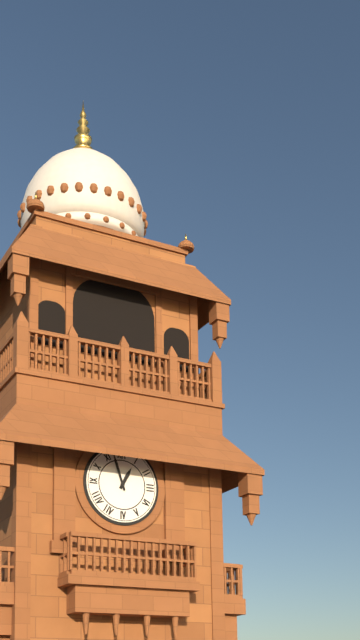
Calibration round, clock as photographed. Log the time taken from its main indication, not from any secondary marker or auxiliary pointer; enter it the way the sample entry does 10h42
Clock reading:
12h57
